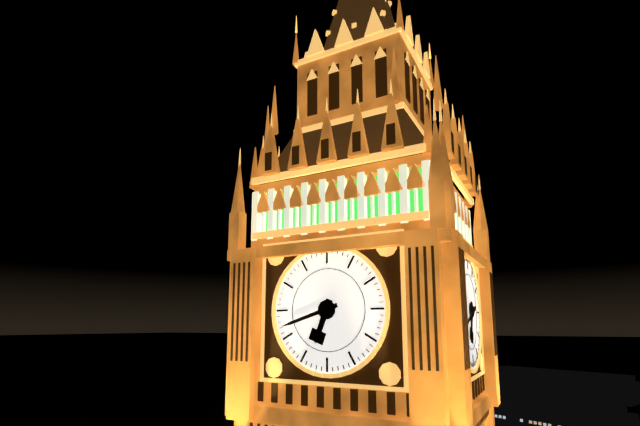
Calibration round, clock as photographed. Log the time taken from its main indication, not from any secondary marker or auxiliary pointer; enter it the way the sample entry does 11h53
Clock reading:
6h42
